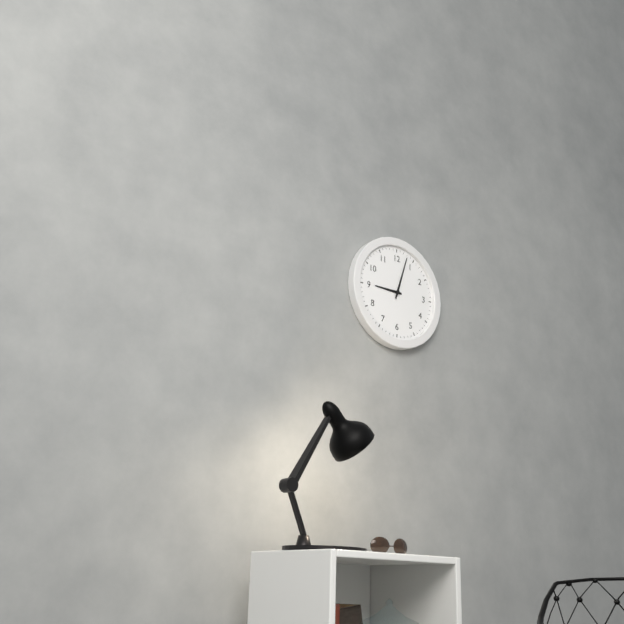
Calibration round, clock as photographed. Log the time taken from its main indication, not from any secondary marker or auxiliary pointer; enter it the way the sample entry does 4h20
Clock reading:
9h03
